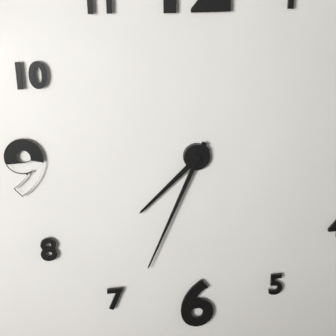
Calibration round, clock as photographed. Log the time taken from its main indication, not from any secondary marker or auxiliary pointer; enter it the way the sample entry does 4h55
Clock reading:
7h34
